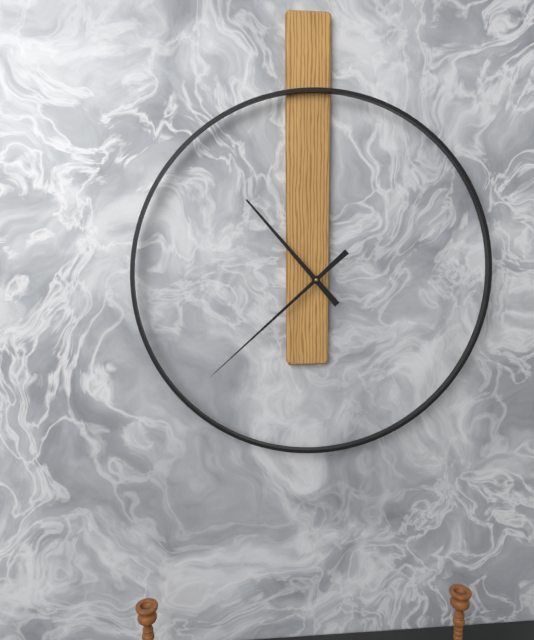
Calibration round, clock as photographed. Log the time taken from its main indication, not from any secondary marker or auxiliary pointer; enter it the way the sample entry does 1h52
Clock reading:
10h38
